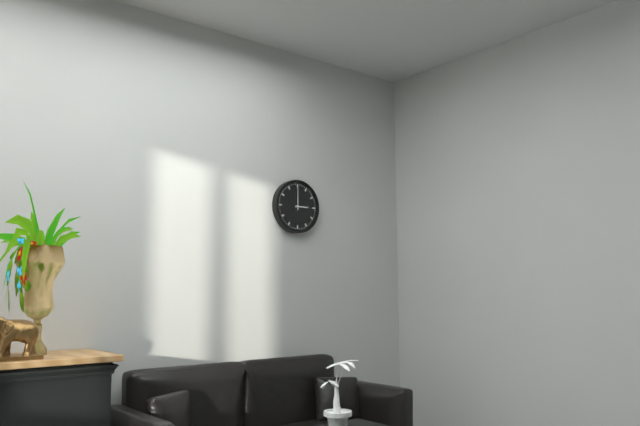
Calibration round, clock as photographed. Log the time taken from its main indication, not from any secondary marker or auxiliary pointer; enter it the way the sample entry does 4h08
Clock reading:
3h00
